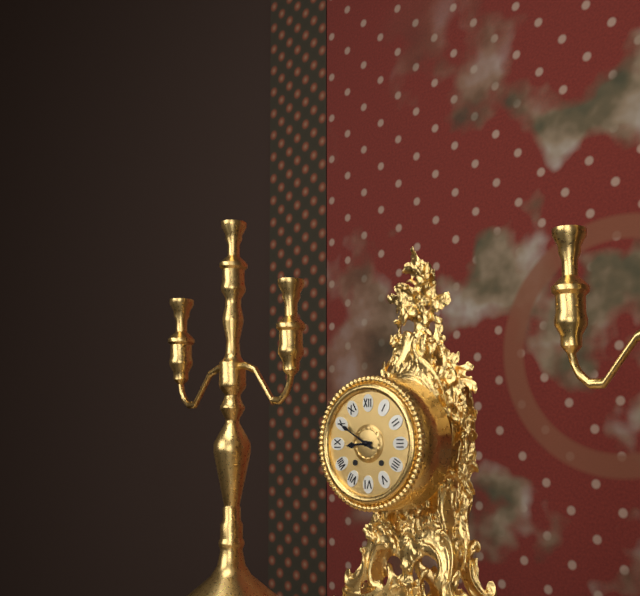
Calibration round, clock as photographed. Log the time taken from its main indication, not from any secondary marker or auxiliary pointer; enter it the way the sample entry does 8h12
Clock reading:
8h50
